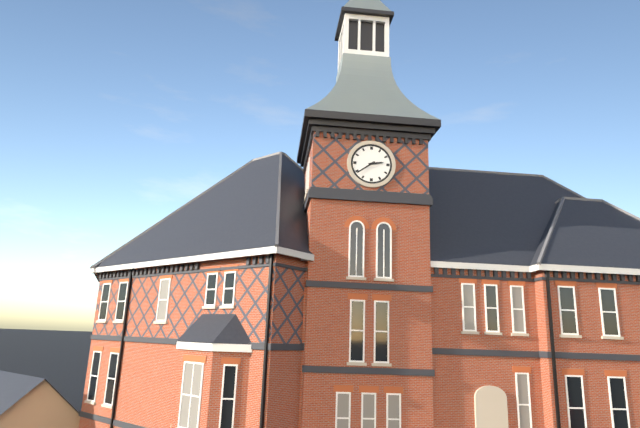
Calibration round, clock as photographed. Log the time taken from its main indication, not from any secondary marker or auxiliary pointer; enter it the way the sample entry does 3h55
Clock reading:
2h39
